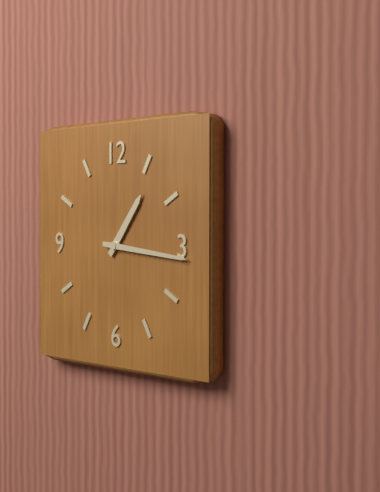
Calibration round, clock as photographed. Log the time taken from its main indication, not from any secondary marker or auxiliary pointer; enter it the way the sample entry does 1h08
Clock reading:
1h16
